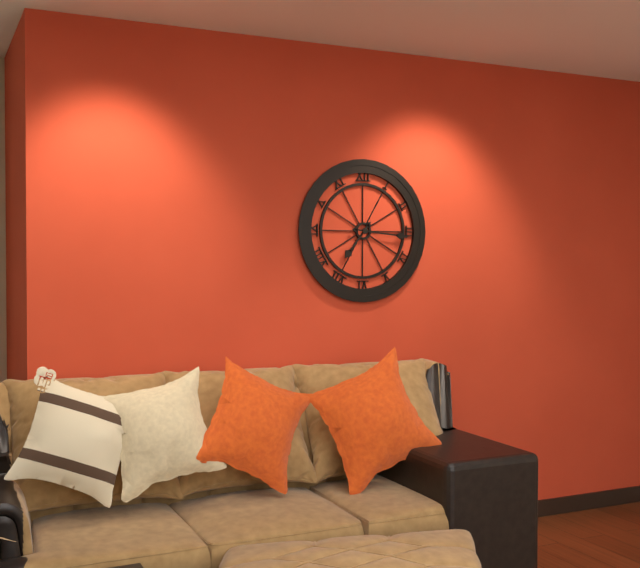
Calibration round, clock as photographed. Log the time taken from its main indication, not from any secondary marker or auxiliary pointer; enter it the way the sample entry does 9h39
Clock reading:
7h16
